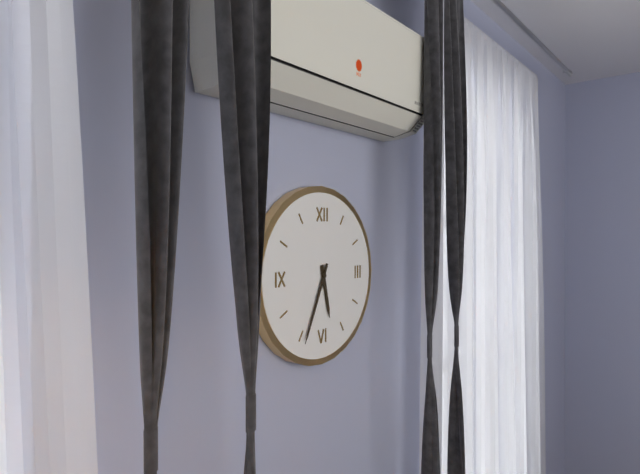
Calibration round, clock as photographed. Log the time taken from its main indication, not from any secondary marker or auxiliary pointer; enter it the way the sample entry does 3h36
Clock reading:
5h34
